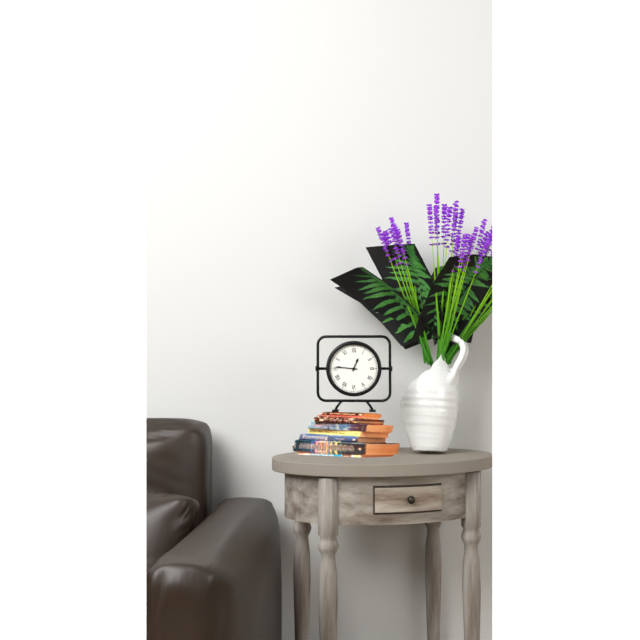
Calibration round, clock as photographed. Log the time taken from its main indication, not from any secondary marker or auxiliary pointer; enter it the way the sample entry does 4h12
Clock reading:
12h46
